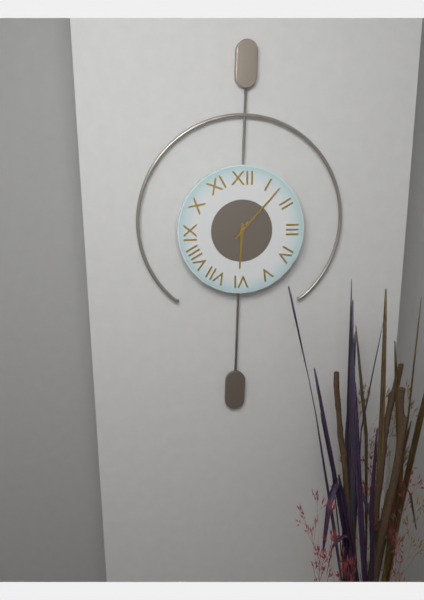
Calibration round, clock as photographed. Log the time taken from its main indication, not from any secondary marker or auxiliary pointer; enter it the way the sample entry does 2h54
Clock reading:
6h07
